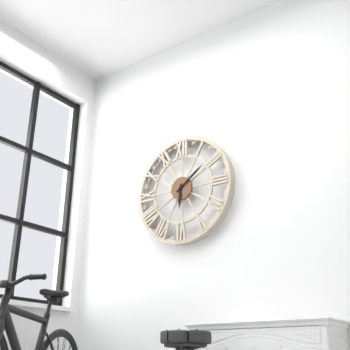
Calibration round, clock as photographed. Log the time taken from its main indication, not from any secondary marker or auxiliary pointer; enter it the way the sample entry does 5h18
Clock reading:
6h09
